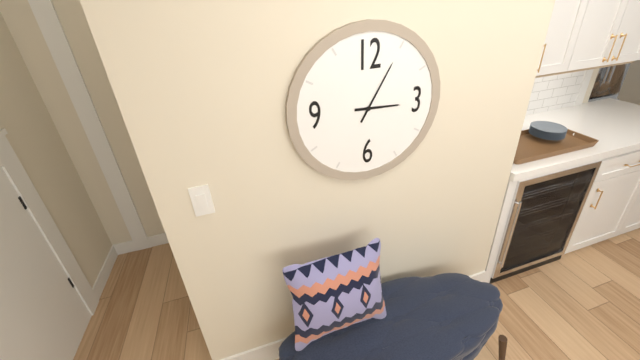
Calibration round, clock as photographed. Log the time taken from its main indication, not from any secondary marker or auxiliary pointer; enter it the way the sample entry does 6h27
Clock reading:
3h05
